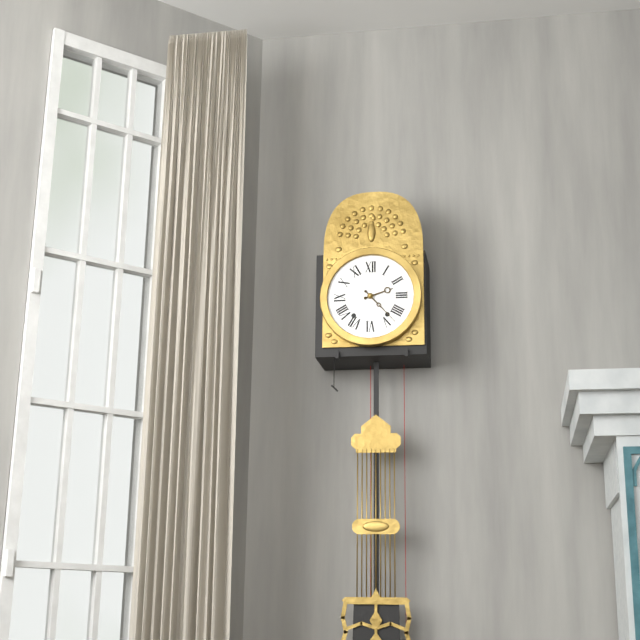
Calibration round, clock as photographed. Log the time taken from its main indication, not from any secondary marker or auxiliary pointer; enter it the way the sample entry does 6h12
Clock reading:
2h23
